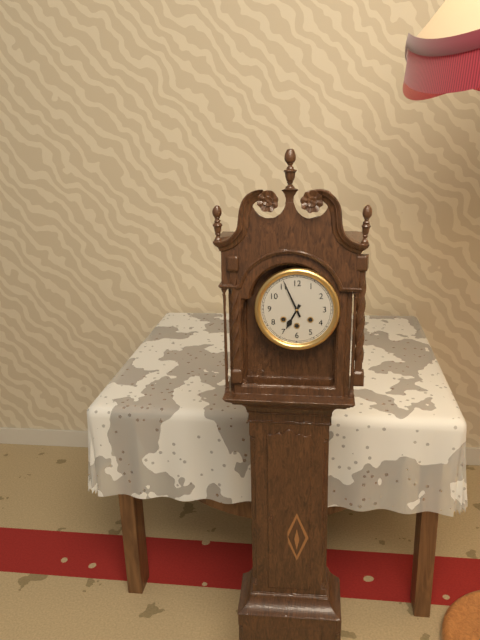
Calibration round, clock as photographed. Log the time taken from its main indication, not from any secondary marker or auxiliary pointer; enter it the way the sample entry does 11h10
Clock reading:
6h56
